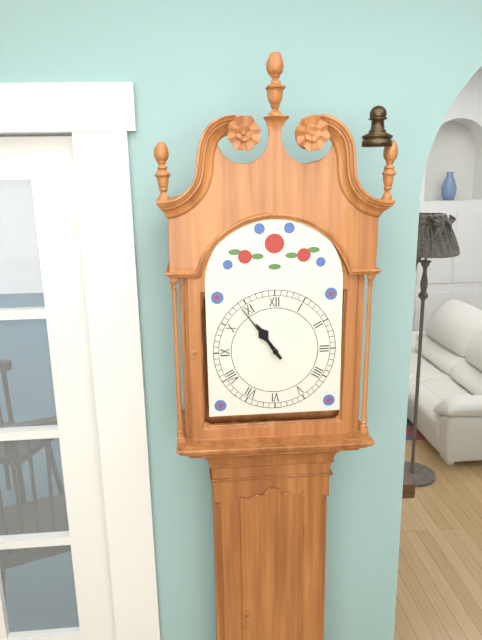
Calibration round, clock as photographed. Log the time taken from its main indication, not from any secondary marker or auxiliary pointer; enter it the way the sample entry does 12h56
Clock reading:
10h54
